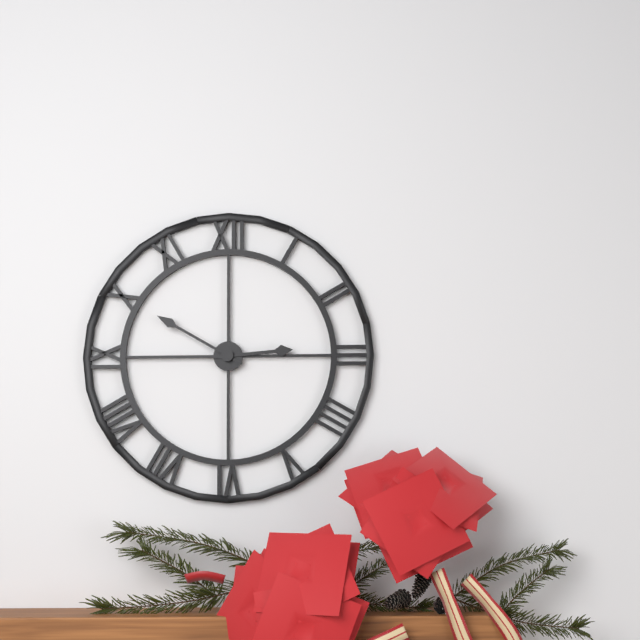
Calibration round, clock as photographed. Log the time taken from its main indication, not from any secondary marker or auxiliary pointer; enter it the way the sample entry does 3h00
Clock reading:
2h50
